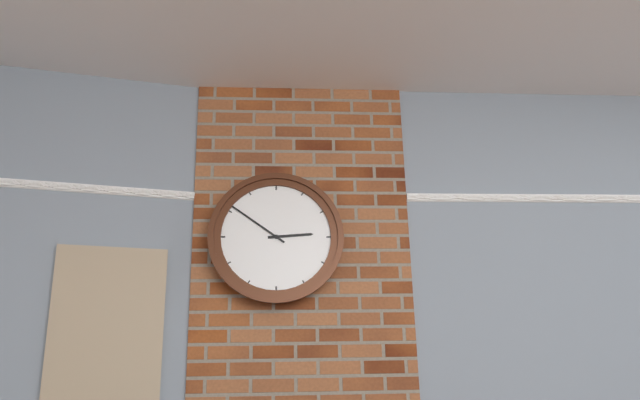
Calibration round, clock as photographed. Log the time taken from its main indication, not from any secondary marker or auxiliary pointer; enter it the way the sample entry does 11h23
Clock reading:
2h51
